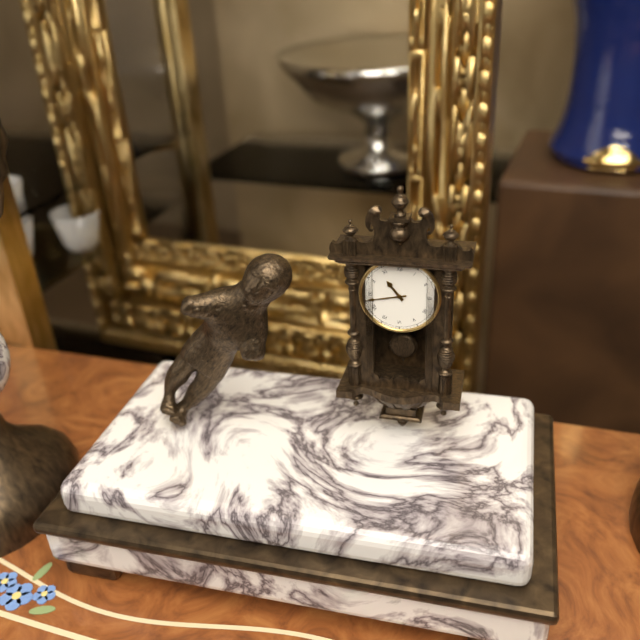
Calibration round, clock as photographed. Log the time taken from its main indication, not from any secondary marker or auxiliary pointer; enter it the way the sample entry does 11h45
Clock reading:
10h43
